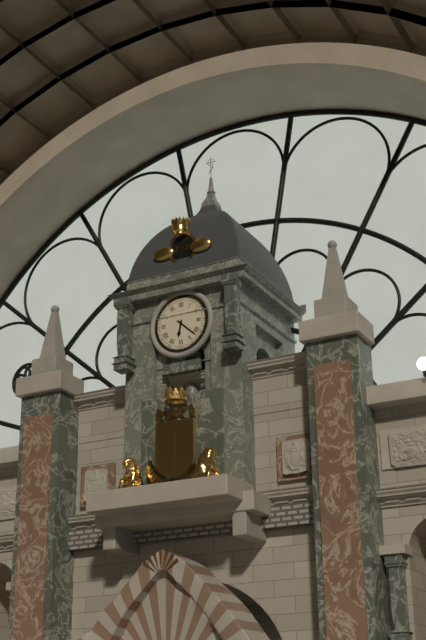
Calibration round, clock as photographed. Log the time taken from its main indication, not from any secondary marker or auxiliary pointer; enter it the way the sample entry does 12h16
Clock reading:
6h22
